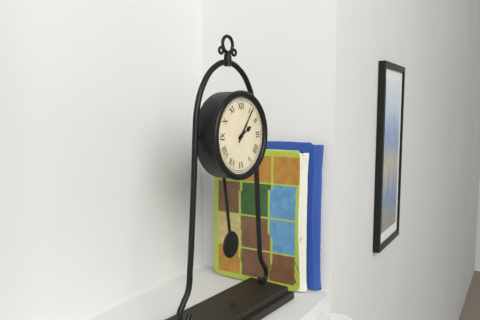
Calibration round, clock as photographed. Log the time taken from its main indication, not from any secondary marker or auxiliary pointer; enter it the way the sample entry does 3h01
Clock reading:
2h06
